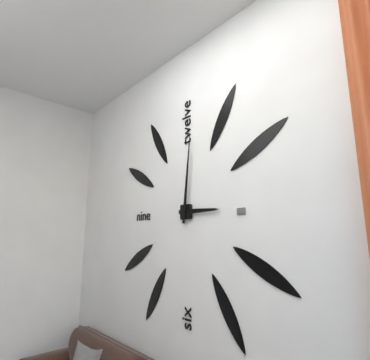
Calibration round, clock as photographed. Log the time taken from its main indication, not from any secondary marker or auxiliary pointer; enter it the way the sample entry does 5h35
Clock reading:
3h01
